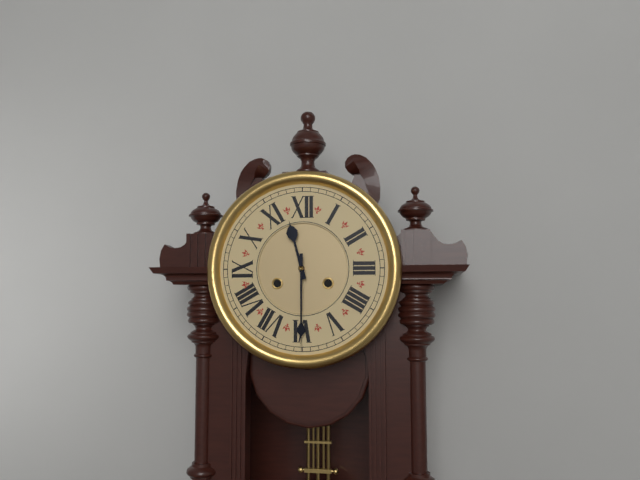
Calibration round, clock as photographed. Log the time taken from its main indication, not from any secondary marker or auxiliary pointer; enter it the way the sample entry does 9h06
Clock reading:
11h30
